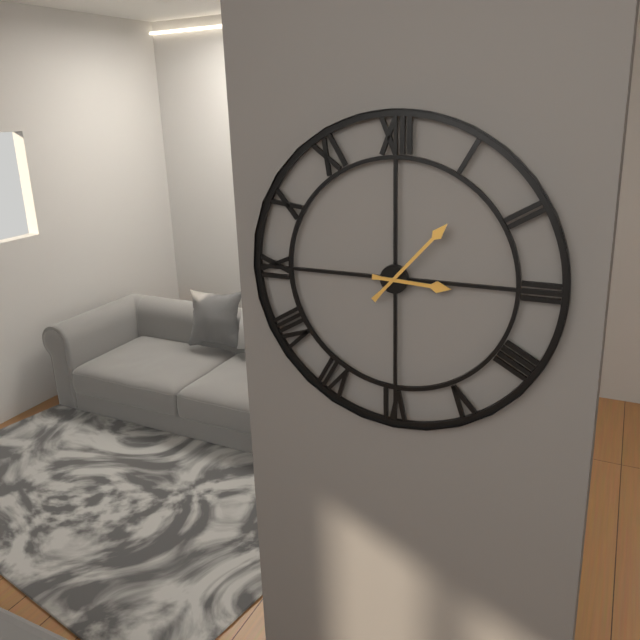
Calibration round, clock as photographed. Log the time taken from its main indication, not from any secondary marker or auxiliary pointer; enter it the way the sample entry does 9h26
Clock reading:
3h07
